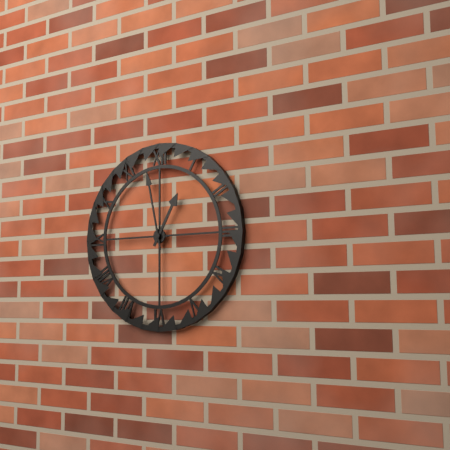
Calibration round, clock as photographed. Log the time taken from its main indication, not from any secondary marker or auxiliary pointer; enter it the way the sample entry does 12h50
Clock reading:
12h58
